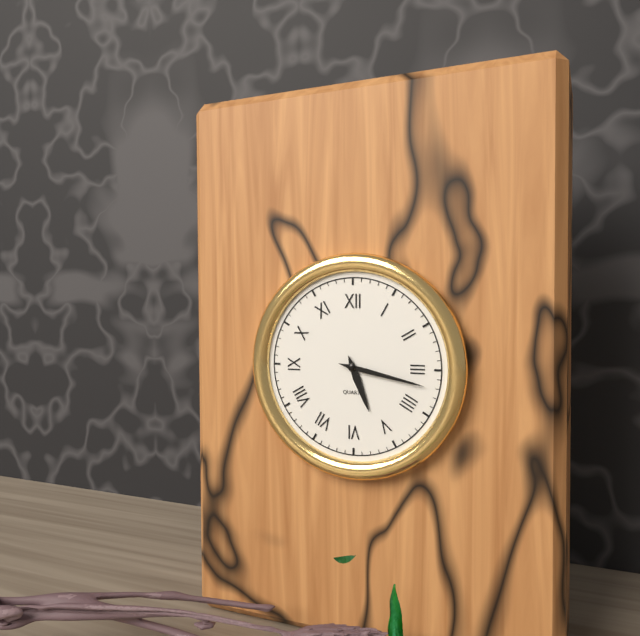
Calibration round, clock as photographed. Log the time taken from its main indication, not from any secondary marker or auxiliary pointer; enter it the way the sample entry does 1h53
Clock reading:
5h17
